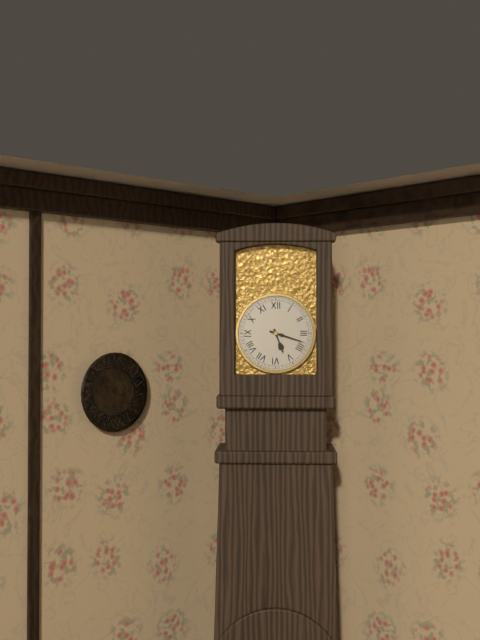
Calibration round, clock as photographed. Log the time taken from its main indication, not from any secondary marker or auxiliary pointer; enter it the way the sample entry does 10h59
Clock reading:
5h18
